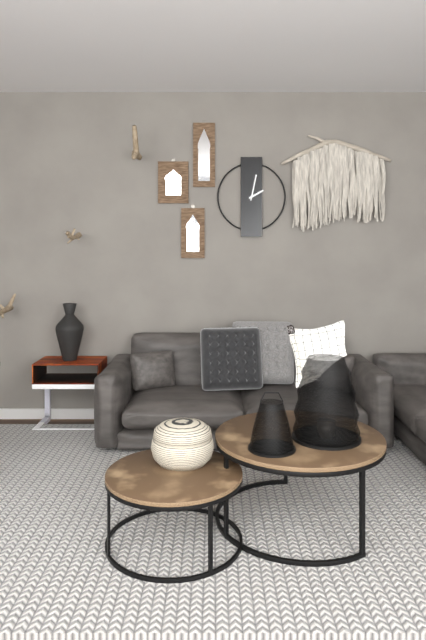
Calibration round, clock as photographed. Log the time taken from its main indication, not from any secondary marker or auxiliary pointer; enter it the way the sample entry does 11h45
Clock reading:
2h02
